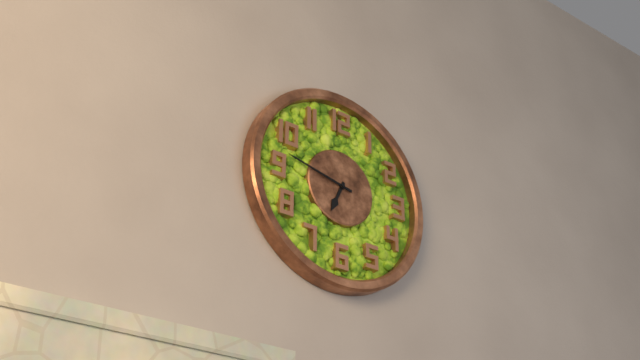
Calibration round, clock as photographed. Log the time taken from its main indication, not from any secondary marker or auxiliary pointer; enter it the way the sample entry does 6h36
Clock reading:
6h47
